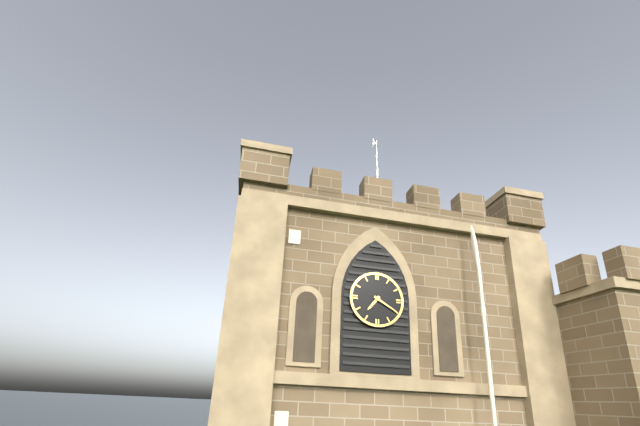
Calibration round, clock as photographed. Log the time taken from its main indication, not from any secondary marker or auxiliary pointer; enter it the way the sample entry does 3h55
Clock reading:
7h20
